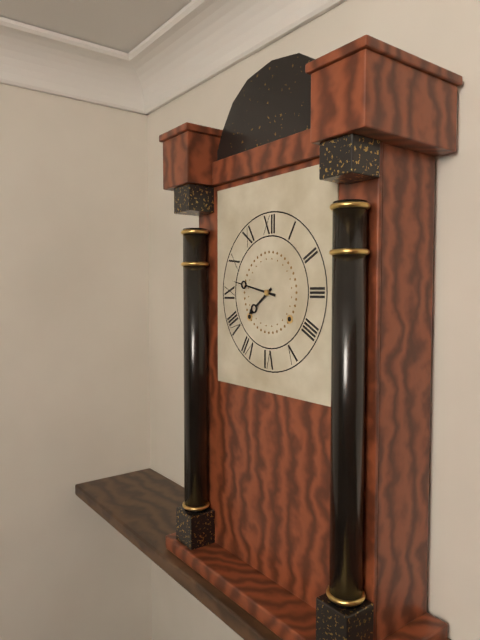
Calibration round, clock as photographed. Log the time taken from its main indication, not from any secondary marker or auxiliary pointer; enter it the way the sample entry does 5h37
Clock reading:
7h47
